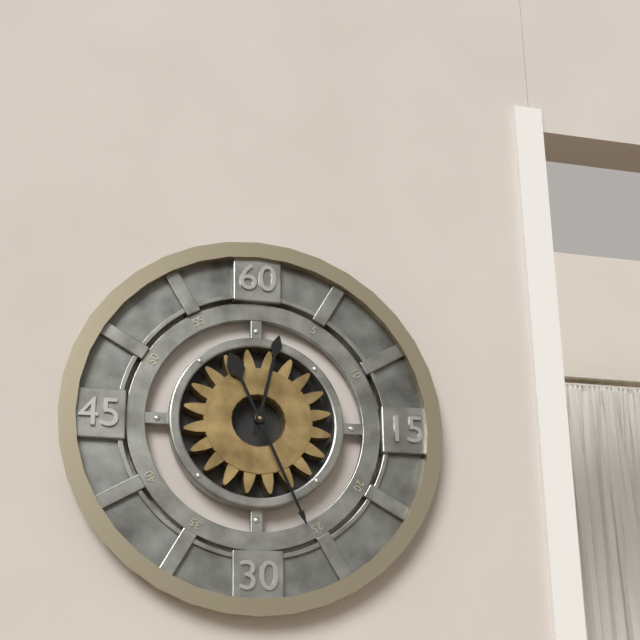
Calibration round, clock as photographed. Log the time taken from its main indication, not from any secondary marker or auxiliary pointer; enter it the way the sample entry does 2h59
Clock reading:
12h26
